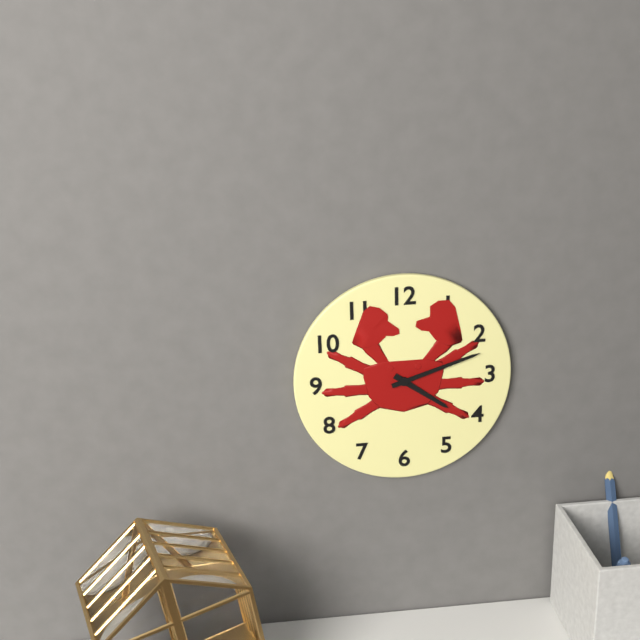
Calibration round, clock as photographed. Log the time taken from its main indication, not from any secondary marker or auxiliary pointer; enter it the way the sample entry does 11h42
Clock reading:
4h12
